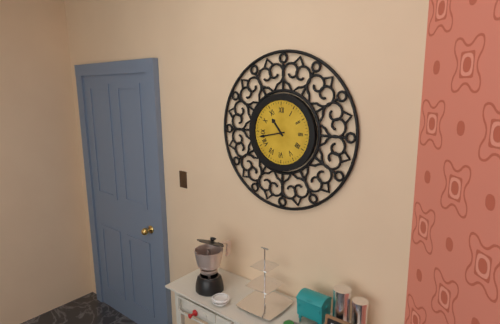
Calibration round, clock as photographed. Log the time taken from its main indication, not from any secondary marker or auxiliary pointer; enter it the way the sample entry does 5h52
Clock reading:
10h43
